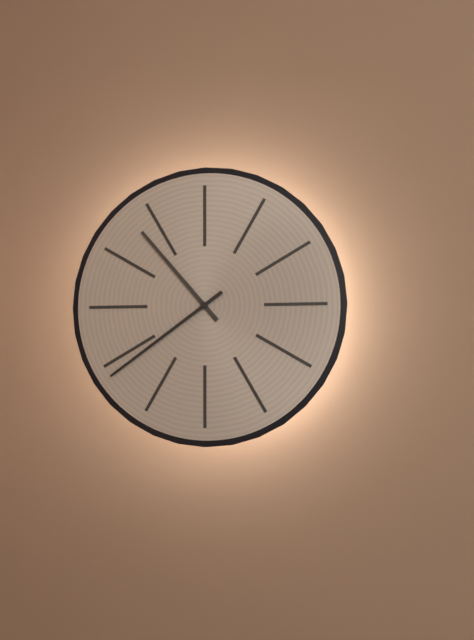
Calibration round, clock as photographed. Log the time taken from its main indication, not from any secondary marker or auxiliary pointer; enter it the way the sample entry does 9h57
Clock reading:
10h39
